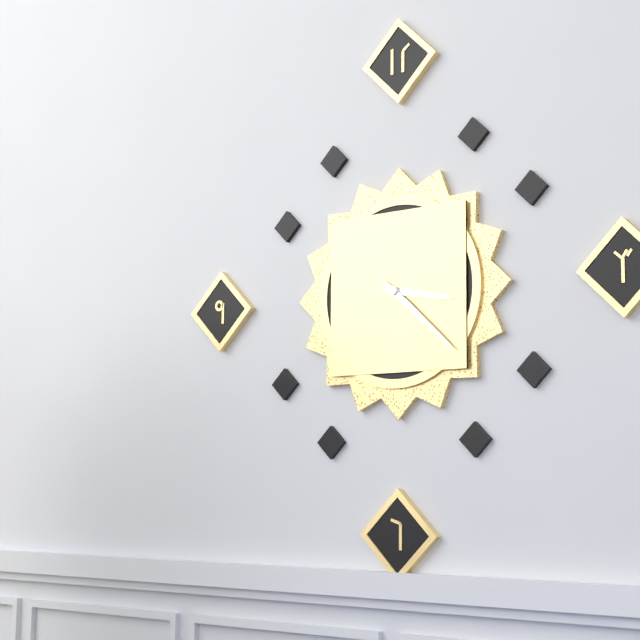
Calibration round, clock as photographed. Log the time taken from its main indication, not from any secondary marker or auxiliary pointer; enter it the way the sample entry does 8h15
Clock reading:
3h22
